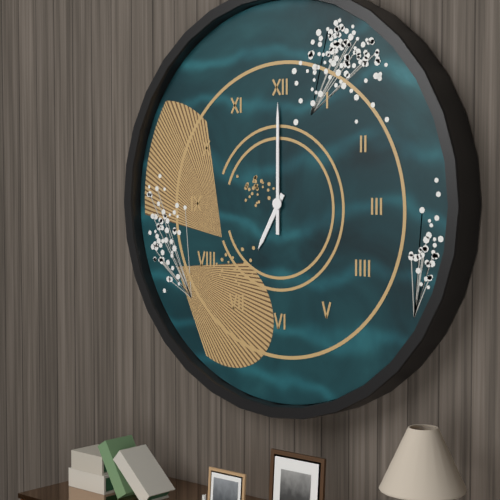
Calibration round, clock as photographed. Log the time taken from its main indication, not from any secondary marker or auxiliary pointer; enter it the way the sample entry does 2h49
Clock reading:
7h00
